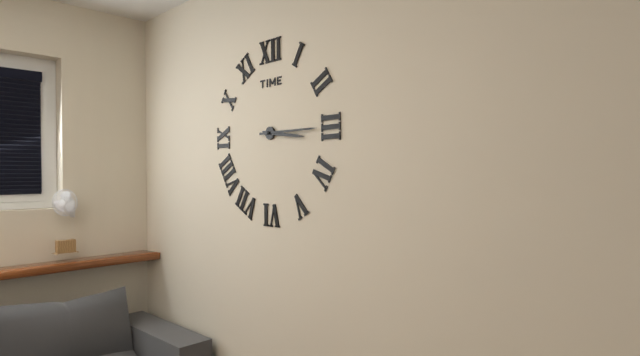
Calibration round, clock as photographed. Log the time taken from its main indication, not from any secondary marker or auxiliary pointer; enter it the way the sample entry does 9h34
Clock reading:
3h15
